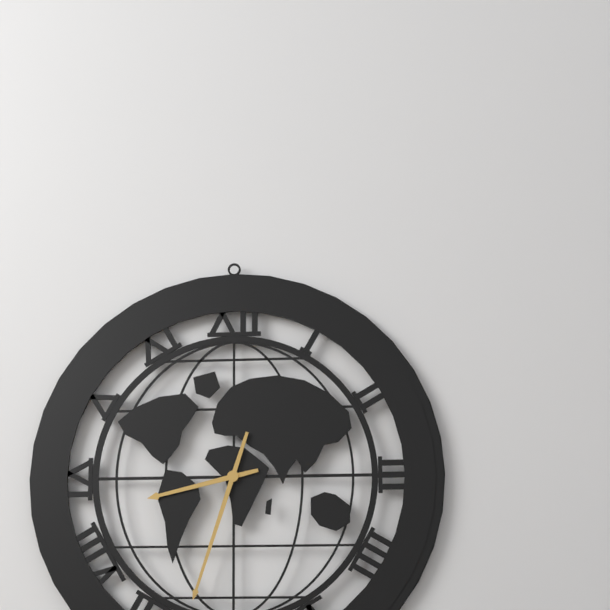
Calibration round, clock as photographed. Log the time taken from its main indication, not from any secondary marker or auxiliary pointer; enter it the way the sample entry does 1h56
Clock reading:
8h33
